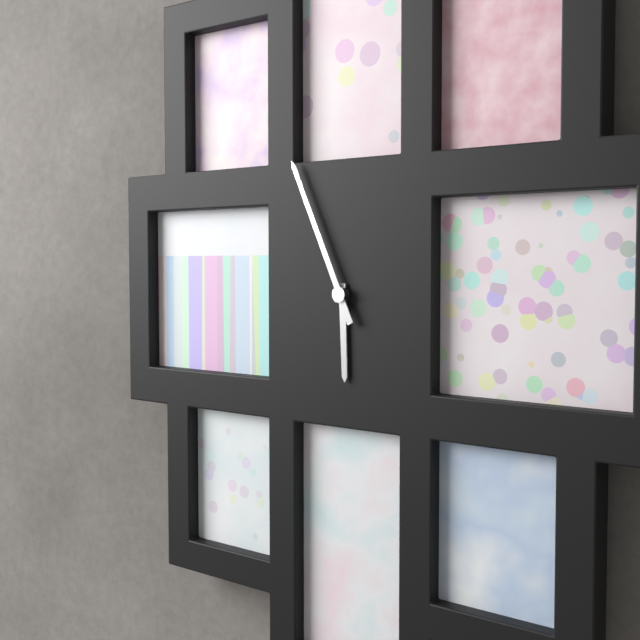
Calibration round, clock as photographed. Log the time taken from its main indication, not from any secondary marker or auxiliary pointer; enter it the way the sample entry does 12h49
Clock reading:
5h56
